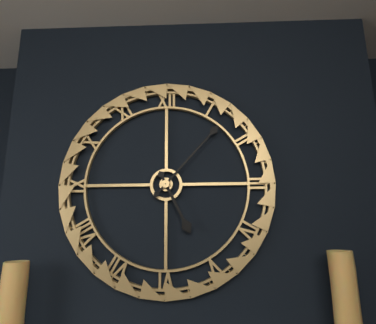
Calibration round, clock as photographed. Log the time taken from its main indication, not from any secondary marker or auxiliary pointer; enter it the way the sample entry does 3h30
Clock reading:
5h07
